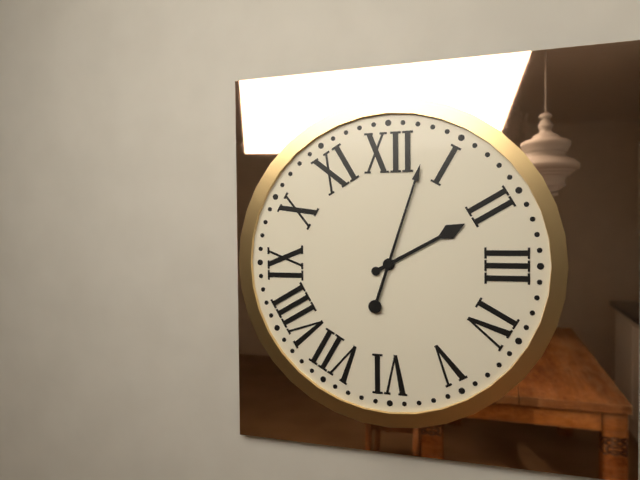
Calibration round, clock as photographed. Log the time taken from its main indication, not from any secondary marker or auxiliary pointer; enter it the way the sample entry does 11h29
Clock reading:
2h03
